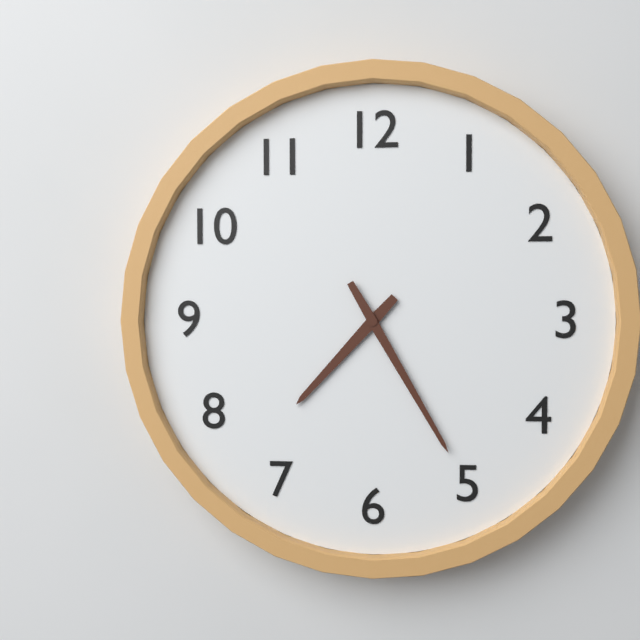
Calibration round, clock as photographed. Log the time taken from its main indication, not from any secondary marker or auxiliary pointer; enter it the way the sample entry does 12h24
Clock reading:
7h25
